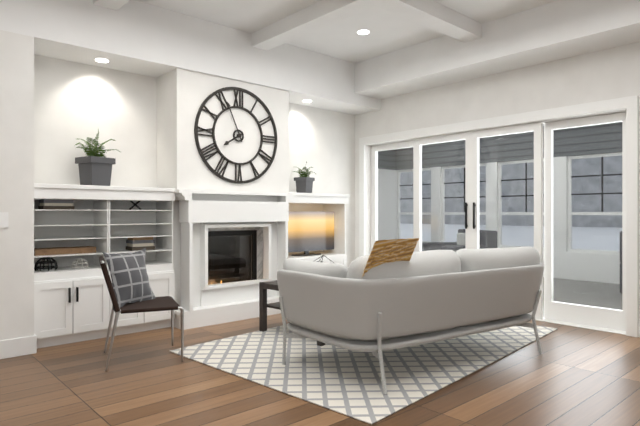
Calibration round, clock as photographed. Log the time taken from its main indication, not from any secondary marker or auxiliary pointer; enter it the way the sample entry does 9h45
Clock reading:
7h56
